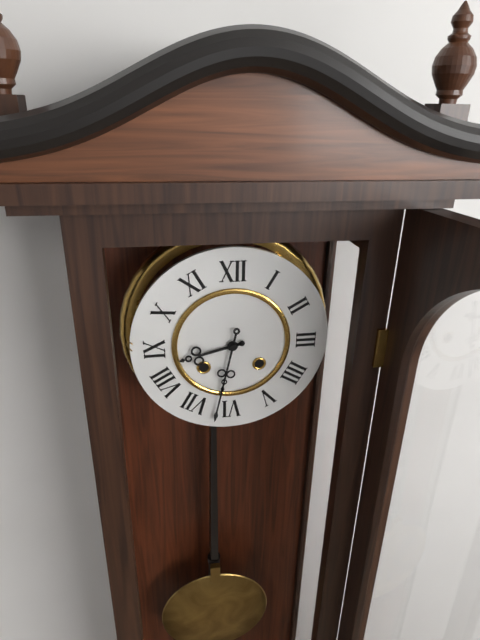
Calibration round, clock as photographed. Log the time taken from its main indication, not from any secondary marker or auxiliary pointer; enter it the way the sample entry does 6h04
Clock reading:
8h32
